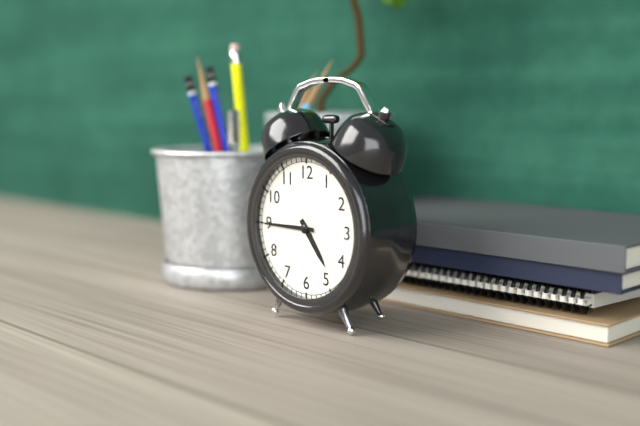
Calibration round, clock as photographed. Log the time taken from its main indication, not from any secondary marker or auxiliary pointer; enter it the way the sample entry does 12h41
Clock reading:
4h45
